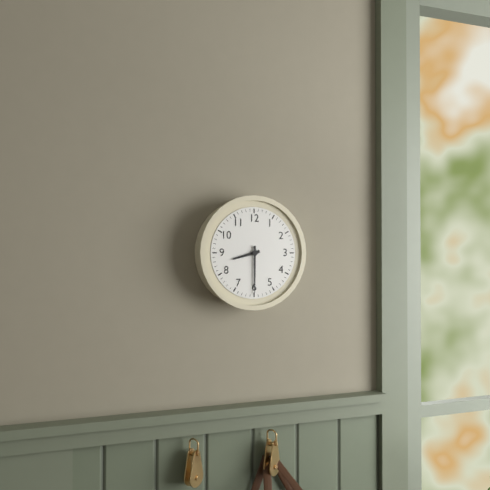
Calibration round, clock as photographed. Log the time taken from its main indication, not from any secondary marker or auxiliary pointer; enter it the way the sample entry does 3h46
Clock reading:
8h30
